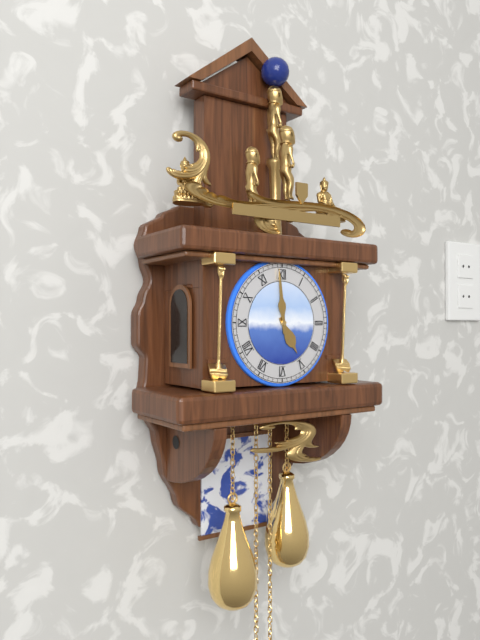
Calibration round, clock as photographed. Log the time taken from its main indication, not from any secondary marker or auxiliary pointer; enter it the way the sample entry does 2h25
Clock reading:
4h59
